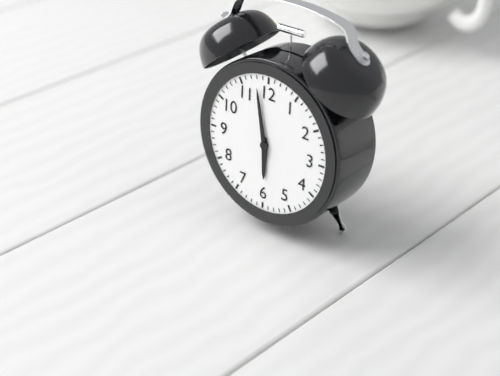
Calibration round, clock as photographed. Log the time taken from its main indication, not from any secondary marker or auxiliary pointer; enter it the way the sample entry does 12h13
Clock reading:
5h58
